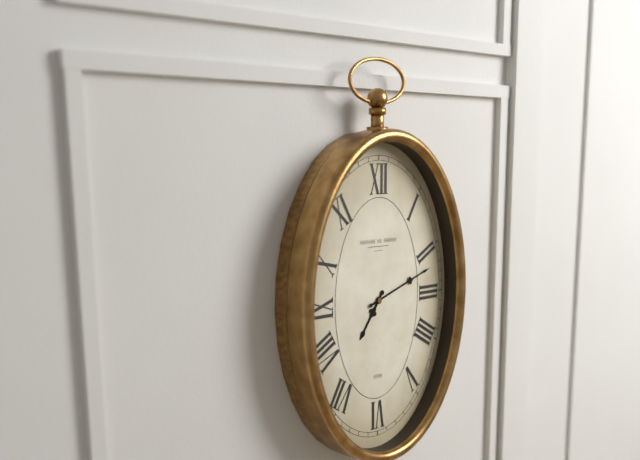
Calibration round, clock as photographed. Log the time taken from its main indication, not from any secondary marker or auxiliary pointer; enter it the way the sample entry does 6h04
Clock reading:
7h12
